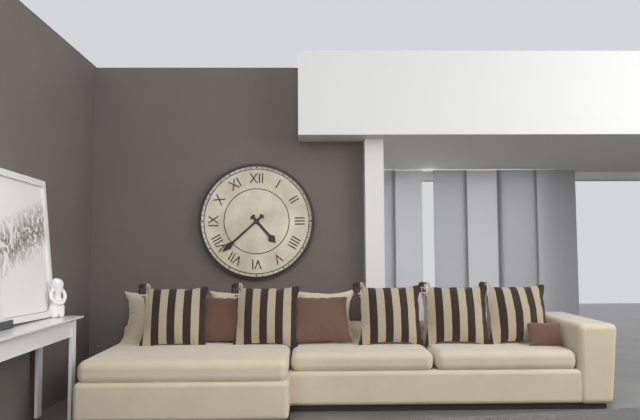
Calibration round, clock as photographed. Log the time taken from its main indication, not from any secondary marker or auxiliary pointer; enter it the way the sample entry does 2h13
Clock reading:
4h38
